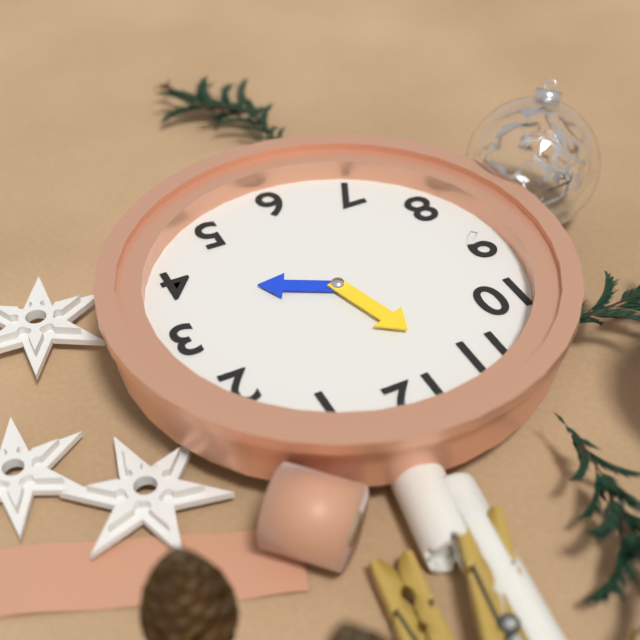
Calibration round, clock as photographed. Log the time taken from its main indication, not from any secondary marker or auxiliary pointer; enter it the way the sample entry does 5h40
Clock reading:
3h57
